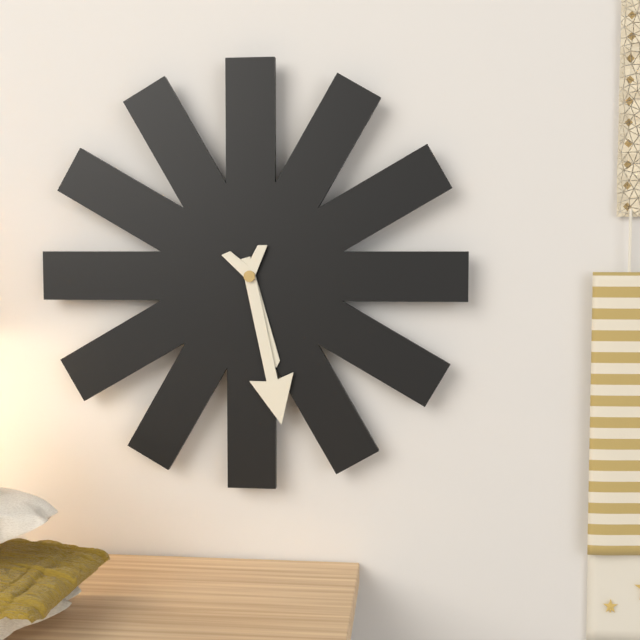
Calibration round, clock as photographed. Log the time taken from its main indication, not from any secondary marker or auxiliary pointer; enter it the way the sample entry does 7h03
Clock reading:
5h28
